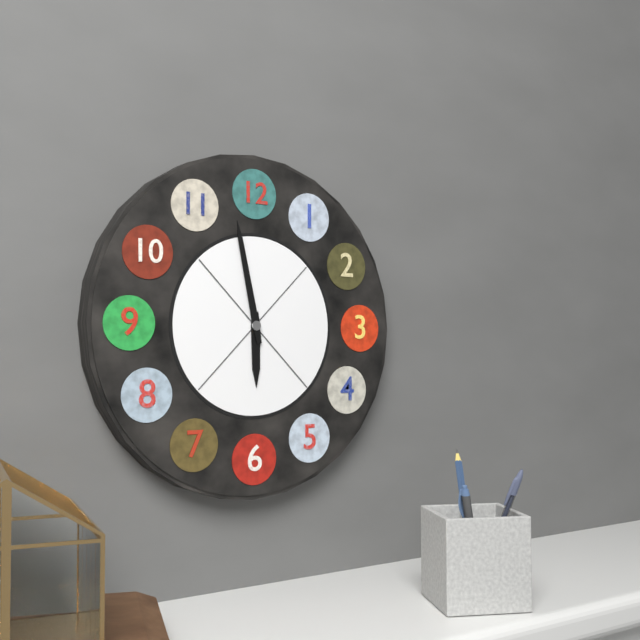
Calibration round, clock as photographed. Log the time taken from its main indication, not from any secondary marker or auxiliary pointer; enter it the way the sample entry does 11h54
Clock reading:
5h58
